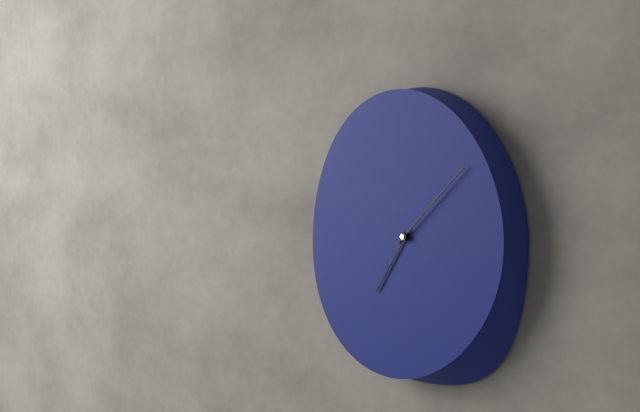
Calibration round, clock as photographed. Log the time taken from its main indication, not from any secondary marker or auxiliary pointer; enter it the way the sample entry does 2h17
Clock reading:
7h08
